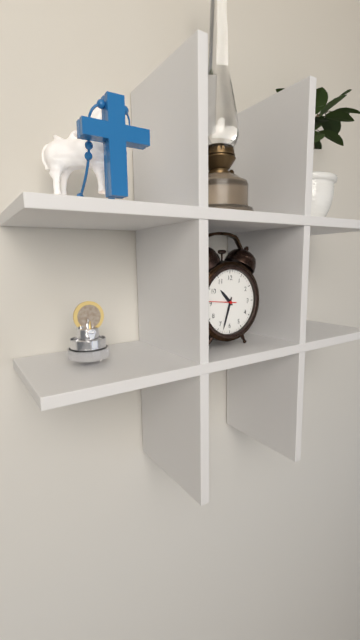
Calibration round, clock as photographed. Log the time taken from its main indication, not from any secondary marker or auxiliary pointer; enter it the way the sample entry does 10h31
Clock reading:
10h33
